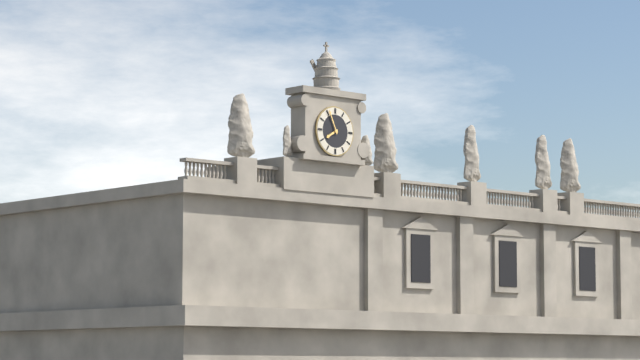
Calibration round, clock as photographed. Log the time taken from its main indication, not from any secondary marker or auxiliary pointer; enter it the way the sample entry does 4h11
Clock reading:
7h56
